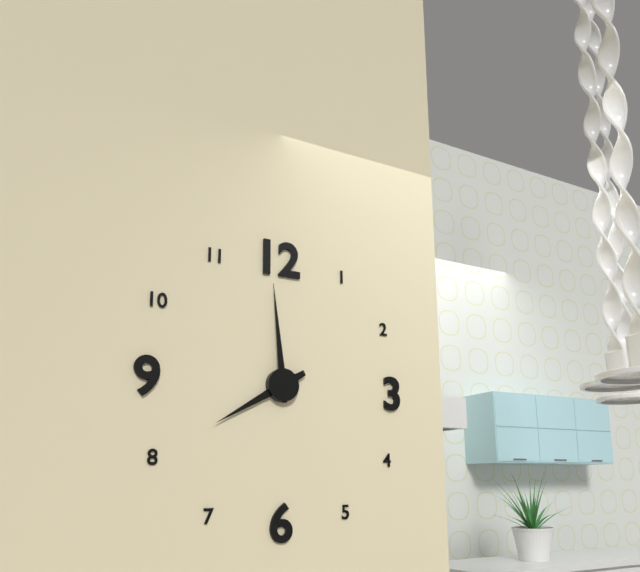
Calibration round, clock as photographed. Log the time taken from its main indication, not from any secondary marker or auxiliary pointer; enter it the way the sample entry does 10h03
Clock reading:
7h59
